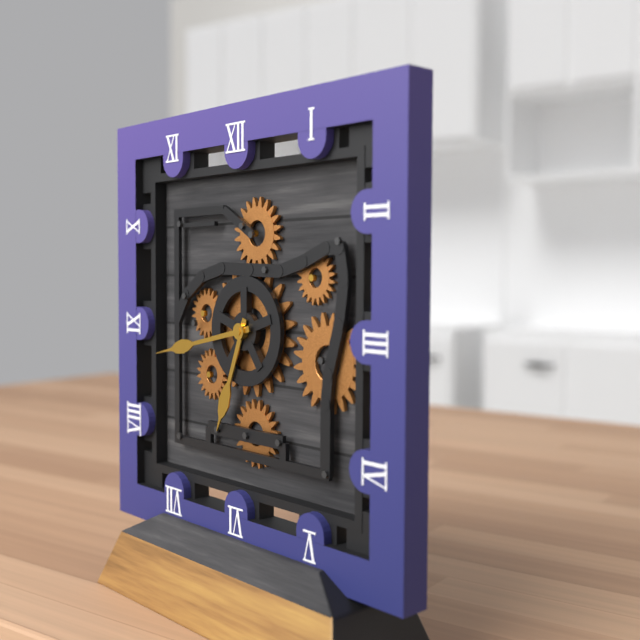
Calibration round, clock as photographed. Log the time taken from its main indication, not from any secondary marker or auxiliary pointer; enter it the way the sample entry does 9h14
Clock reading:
6h43
